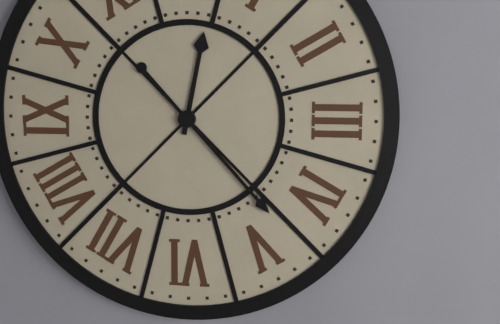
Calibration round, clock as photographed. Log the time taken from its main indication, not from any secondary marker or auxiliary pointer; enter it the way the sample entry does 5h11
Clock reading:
12h23
